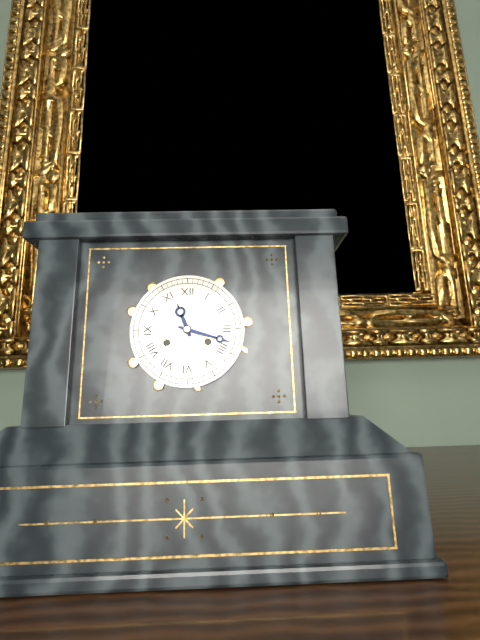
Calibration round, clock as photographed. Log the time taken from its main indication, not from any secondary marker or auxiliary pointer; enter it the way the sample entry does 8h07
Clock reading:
11h18
